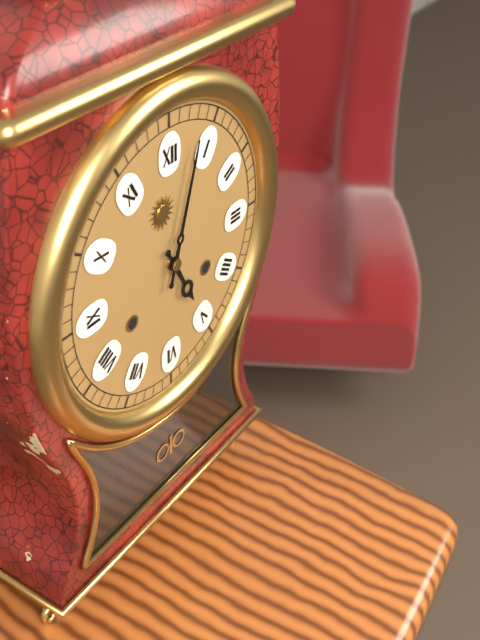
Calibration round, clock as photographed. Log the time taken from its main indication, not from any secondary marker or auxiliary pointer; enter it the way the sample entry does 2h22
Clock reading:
5h03
